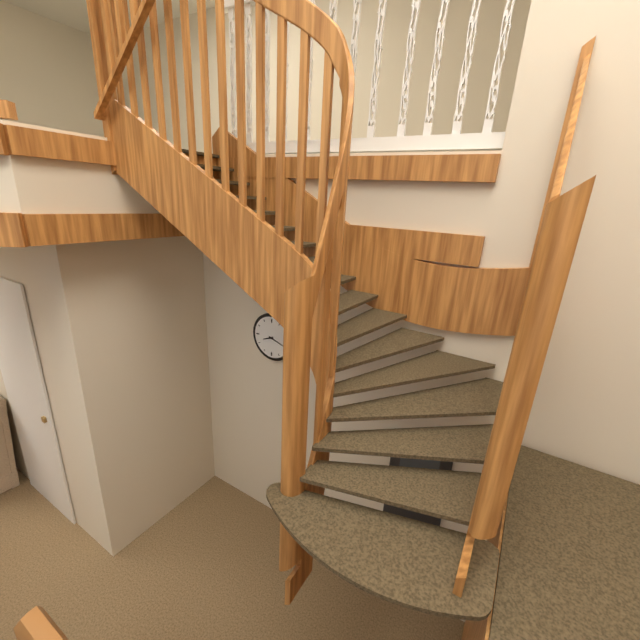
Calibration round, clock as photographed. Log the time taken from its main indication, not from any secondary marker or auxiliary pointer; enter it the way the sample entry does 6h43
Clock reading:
8h18
